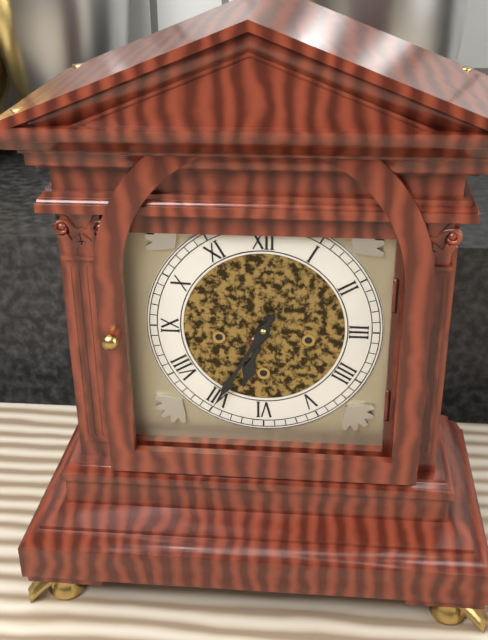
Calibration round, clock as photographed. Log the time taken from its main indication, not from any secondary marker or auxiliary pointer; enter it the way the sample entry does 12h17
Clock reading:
6h35
